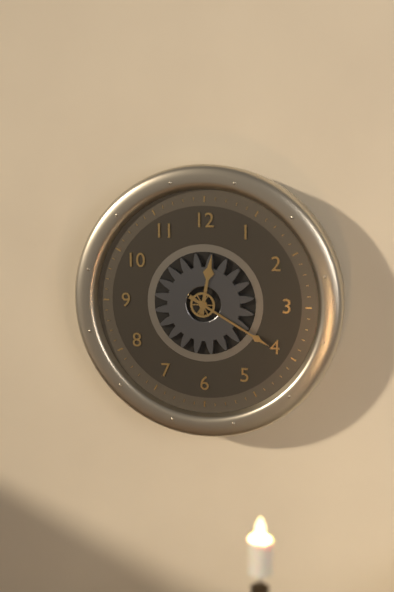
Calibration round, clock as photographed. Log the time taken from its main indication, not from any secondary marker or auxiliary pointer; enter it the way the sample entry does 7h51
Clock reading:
12h20
